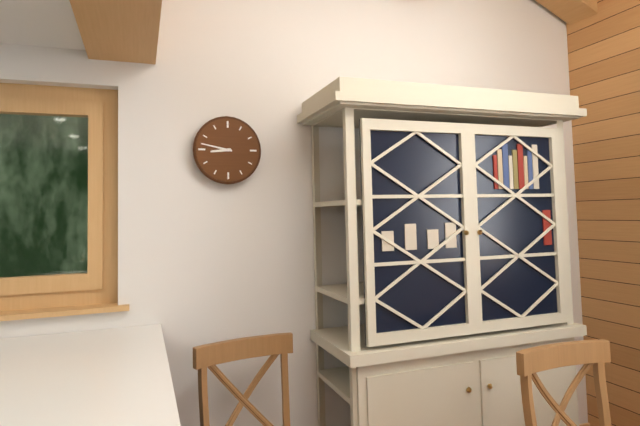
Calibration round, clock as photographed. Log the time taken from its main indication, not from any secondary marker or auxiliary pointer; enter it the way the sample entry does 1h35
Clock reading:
8h47
